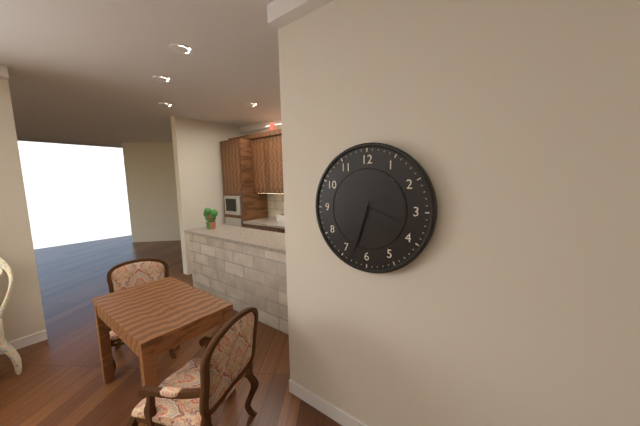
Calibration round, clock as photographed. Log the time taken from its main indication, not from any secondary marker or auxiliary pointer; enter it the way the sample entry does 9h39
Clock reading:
3h33
